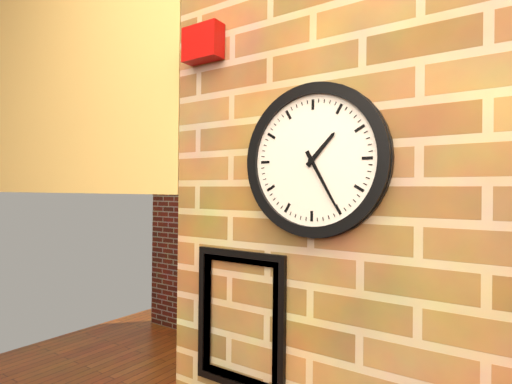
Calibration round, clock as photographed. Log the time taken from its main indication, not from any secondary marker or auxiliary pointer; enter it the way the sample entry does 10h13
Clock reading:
1h25
